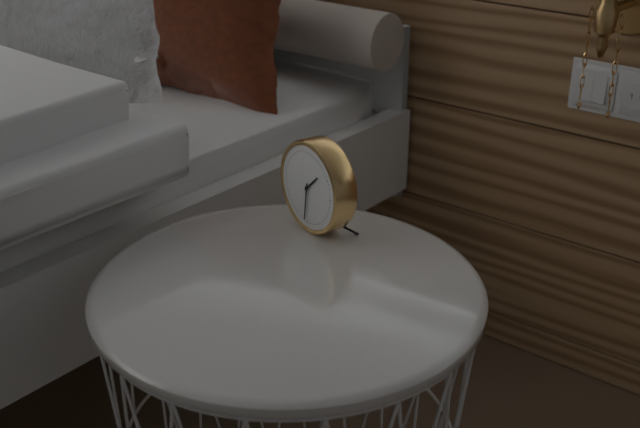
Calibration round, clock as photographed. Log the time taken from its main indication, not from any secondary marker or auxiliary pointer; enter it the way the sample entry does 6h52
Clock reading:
1h31
